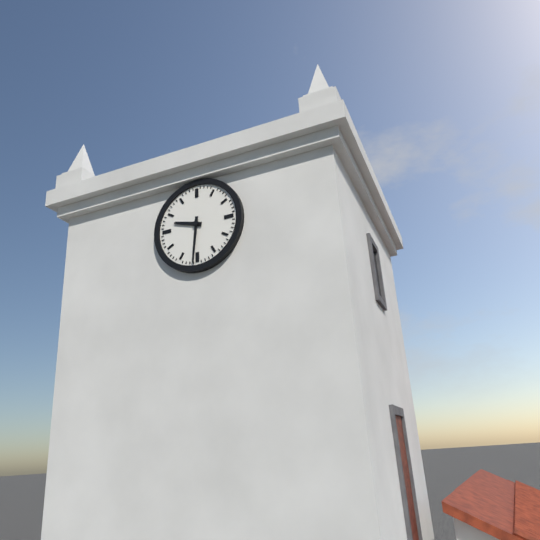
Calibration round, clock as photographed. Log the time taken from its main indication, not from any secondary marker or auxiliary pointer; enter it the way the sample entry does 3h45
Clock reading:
9h31
